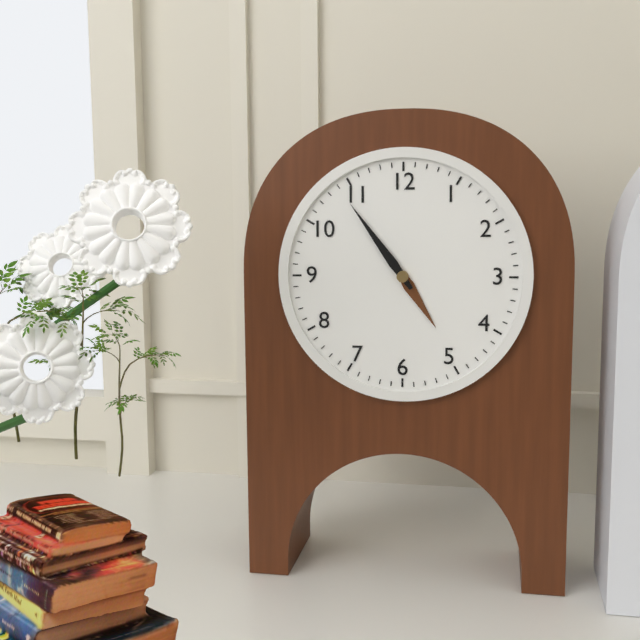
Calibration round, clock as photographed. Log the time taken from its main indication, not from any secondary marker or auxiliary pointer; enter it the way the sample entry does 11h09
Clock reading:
4h54
